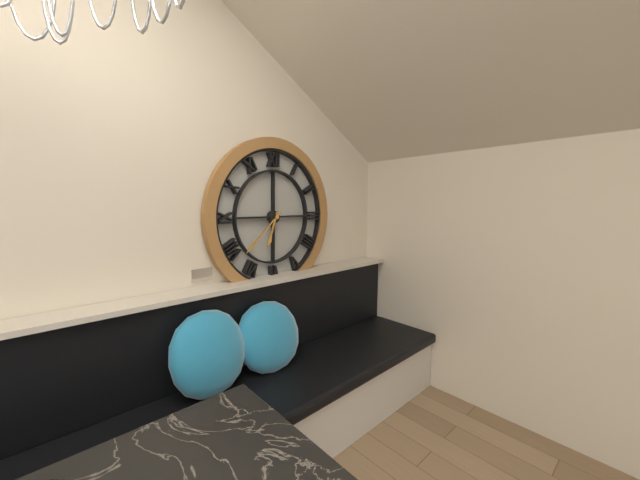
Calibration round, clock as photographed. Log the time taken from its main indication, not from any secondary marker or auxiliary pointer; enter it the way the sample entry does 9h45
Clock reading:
6h38
